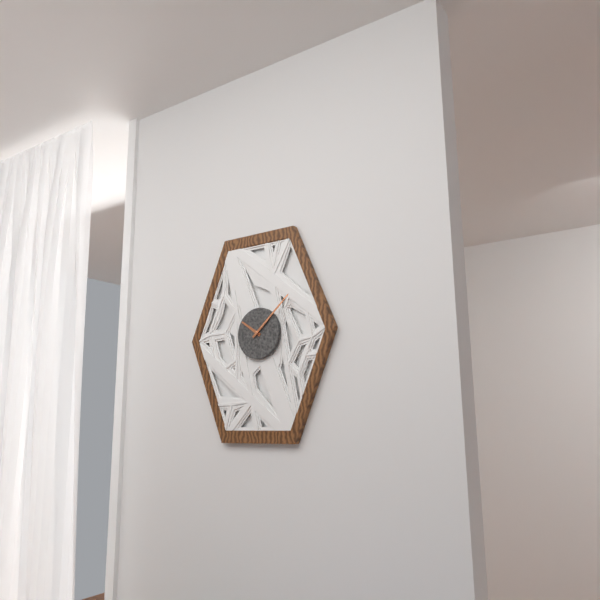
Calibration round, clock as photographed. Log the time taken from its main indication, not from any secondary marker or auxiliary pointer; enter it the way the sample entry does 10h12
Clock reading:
10h08
